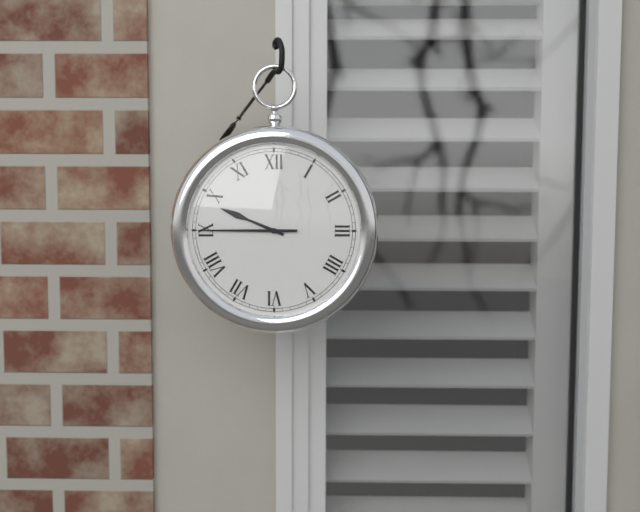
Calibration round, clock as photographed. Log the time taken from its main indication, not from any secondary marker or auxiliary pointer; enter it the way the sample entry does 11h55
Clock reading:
9h45
